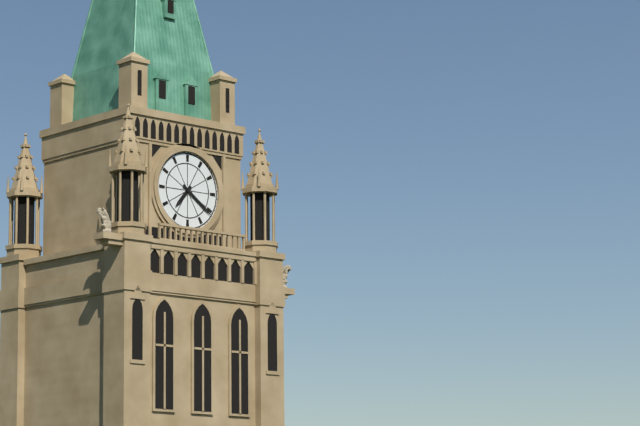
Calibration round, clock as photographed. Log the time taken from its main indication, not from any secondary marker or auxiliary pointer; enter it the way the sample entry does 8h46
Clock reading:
7h21
